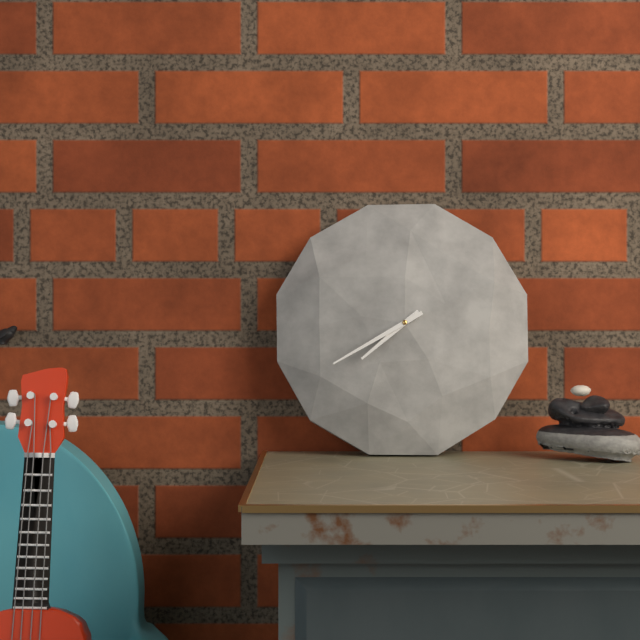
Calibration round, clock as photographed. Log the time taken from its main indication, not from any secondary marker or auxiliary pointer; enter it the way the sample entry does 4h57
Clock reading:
7h40
